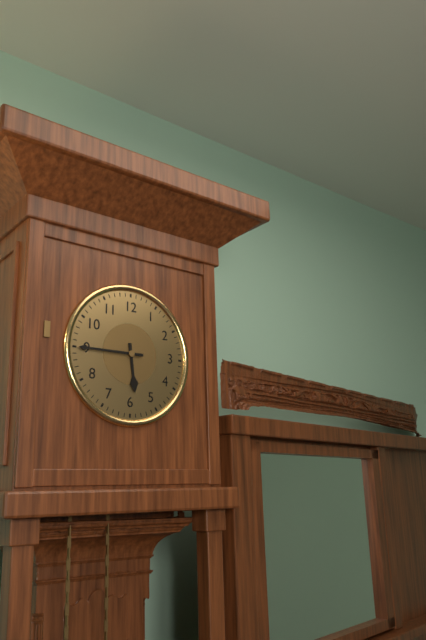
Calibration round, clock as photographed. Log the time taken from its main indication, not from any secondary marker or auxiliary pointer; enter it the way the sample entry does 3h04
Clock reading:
5h45
